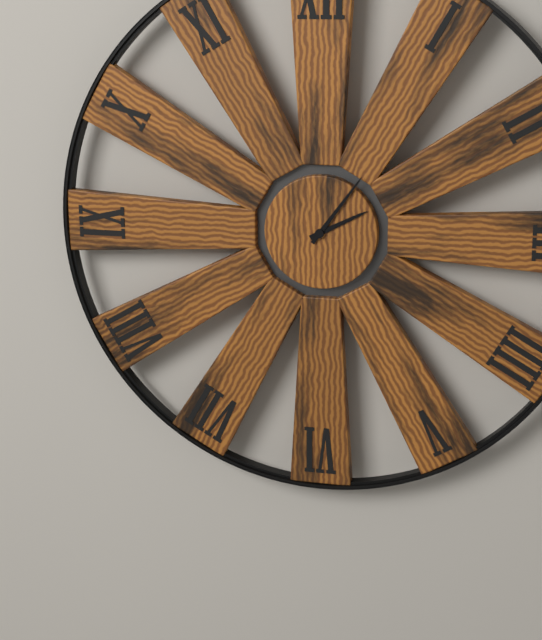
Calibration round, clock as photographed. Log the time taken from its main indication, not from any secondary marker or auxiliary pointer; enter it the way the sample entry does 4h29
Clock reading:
2h06
